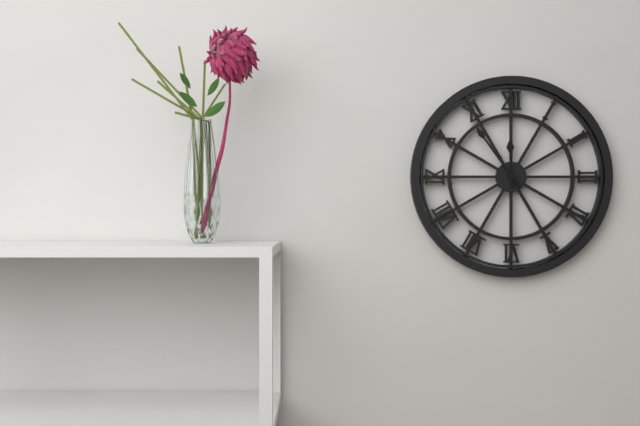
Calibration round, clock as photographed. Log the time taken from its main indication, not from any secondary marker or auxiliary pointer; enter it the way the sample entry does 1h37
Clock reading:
11h54
